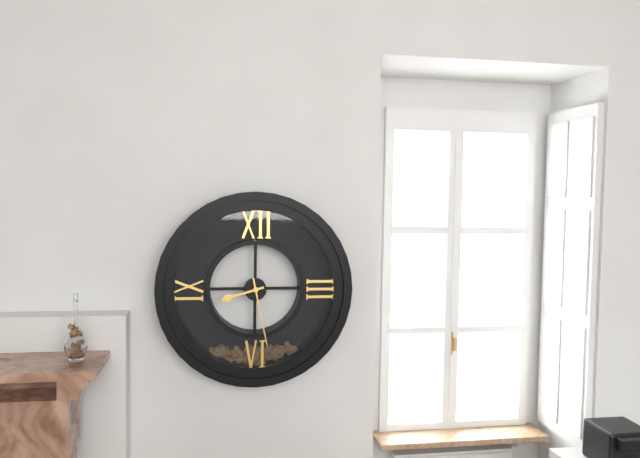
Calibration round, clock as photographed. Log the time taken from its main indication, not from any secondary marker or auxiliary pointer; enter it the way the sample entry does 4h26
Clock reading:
8h28
